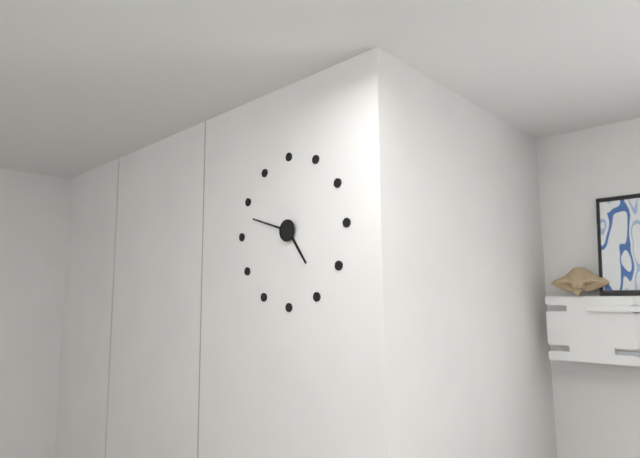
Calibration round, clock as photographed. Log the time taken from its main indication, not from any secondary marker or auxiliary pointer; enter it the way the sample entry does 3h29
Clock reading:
4h48
